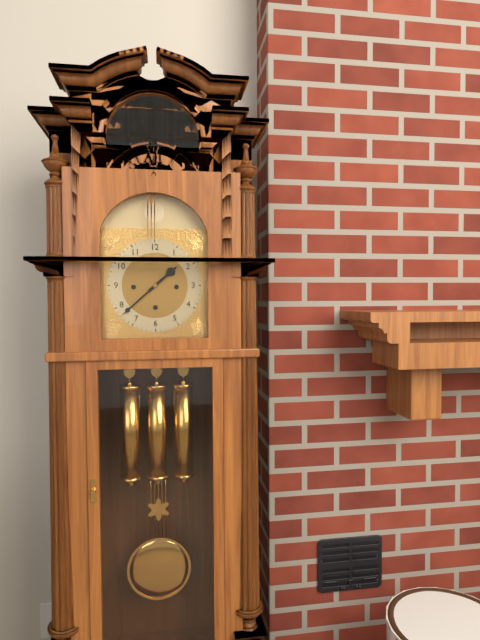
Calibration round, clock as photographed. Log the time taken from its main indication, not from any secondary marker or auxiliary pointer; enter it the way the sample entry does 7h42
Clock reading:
1h38
